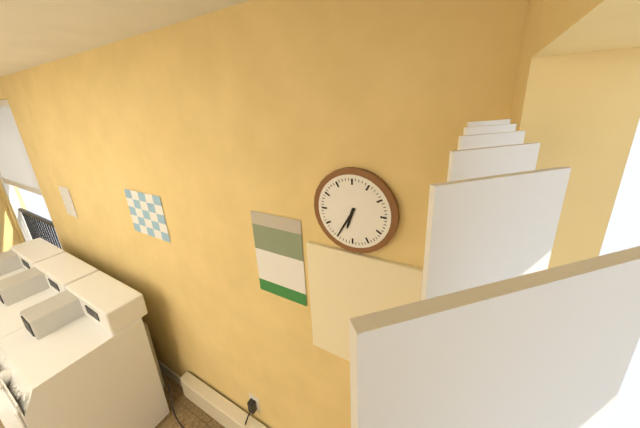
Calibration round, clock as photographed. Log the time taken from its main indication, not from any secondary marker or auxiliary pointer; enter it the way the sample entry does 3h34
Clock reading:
6h35
